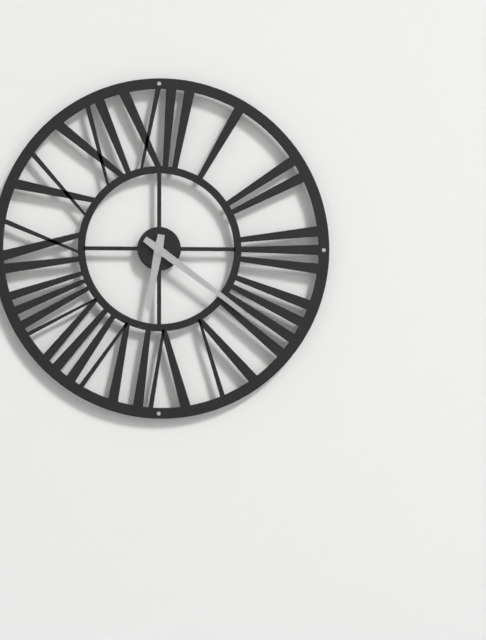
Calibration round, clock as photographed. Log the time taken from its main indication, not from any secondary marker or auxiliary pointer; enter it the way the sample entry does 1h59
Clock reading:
6h21
